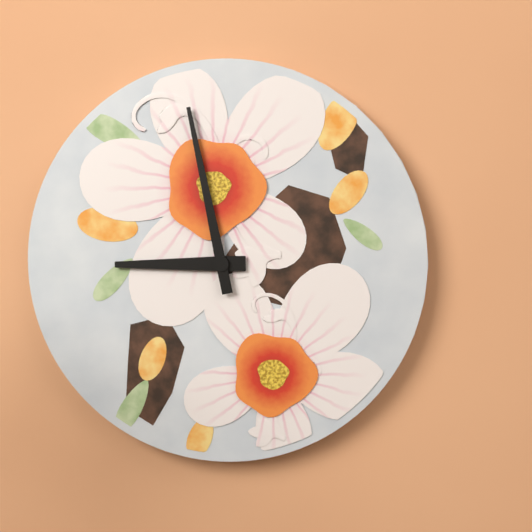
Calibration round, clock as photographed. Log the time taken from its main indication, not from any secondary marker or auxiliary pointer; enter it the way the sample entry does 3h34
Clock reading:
8h58
